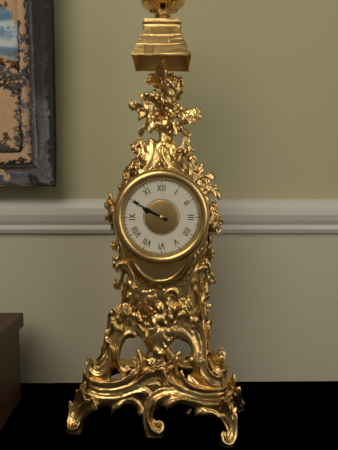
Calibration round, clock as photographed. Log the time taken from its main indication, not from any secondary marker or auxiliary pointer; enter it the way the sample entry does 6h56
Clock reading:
9h50
